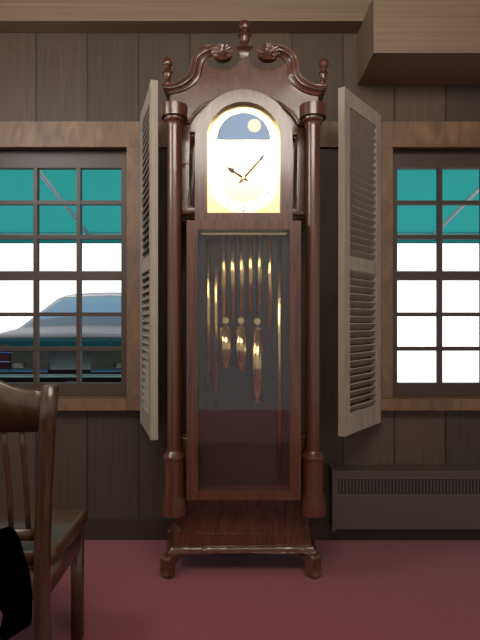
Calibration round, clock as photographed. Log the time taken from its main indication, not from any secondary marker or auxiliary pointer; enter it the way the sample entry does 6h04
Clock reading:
10h07
